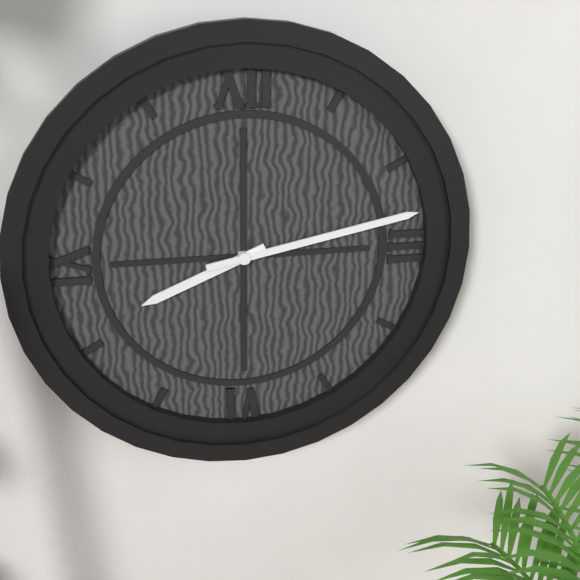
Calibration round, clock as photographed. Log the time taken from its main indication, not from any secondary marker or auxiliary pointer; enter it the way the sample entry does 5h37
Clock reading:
8h13
